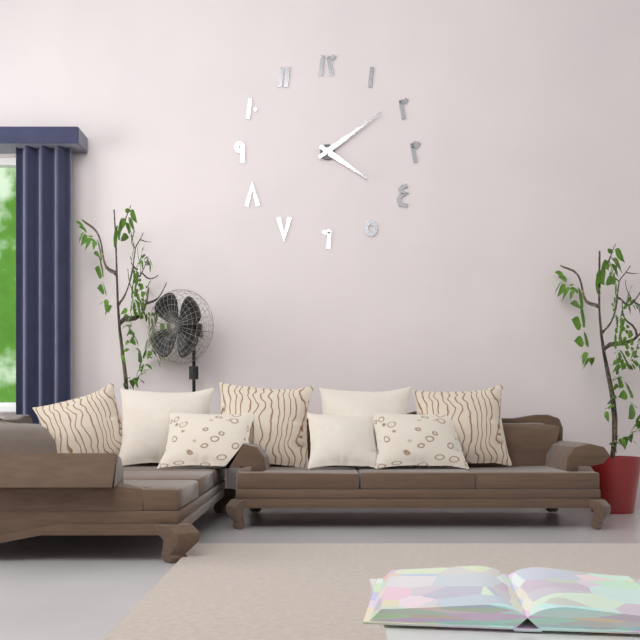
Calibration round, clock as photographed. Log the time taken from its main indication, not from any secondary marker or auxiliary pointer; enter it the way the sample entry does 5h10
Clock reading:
4h09
